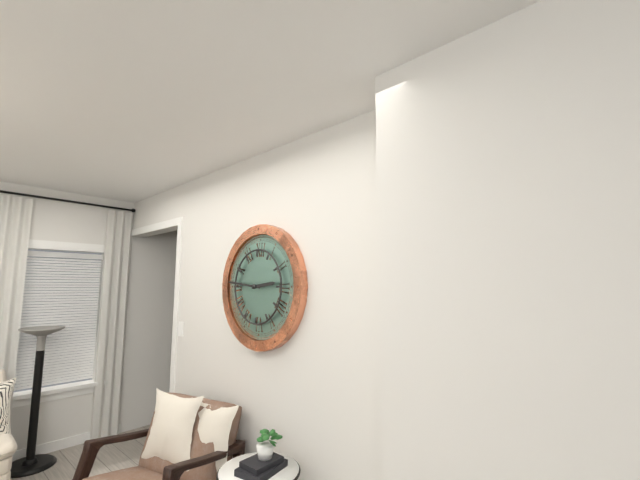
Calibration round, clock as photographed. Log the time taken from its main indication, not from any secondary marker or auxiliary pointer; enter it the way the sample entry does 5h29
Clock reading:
2h46
